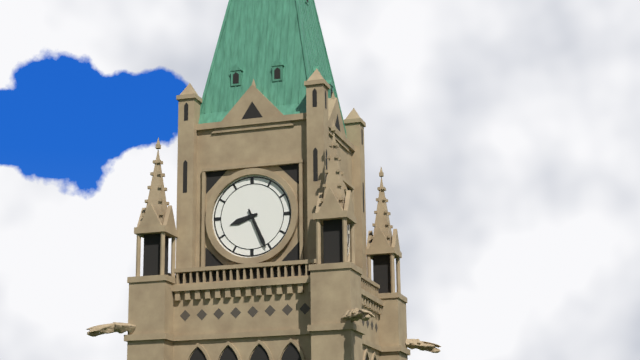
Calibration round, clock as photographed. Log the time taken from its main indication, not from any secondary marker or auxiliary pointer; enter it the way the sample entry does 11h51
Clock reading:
8h26
